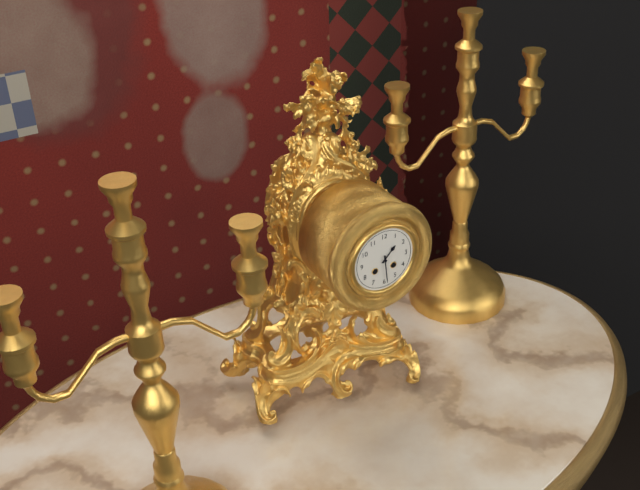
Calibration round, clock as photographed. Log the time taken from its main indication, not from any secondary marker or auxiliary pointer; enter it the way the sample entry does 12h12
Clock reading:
1h29
